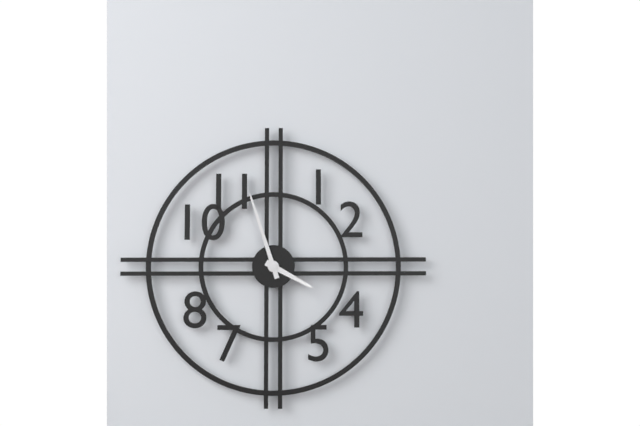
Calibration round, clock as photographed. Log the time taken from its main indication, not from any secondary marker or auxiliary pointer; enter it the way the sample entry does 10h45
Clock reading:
3h57
